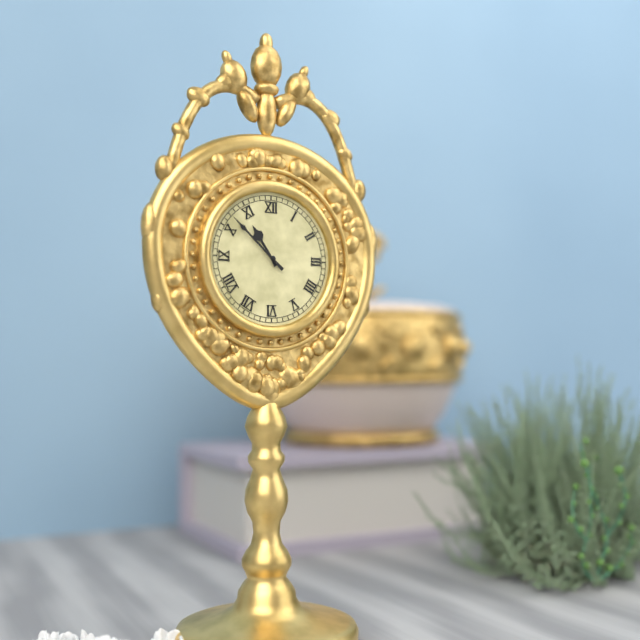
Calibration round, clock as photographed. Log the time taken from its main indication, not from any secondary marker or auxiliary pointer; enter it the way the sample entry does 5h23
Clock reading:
10h52
